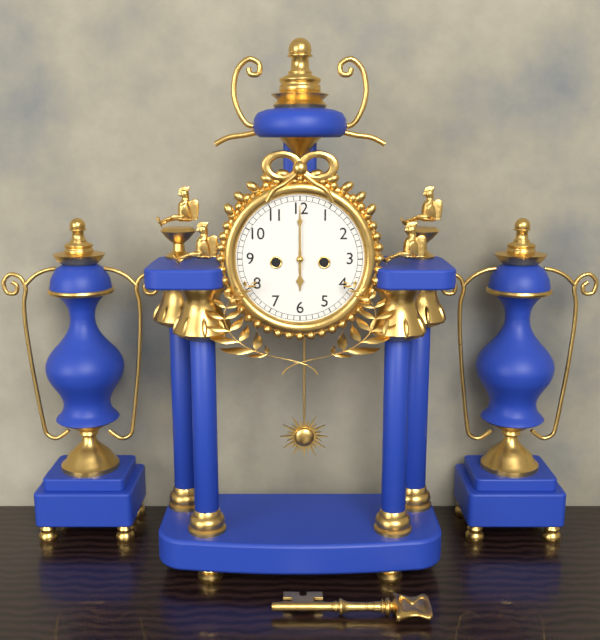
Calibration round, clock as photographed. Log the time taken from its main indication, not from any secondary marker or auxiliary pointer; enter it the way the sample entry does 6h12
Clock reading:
6h00
